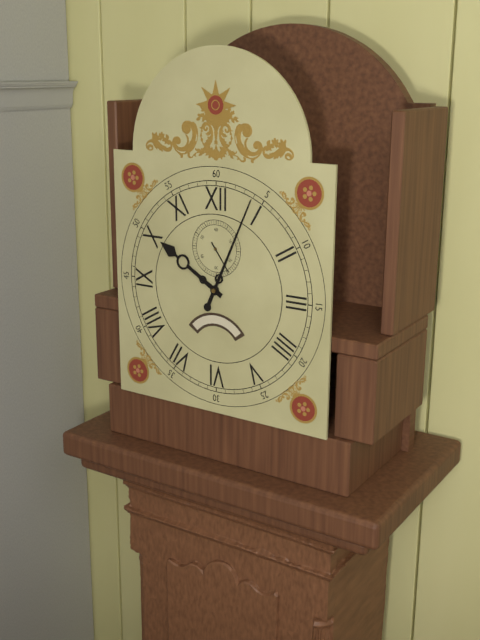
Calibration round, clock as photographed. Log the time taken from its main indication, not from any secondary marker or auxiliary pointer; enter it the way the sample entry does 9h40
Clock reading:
10h04
